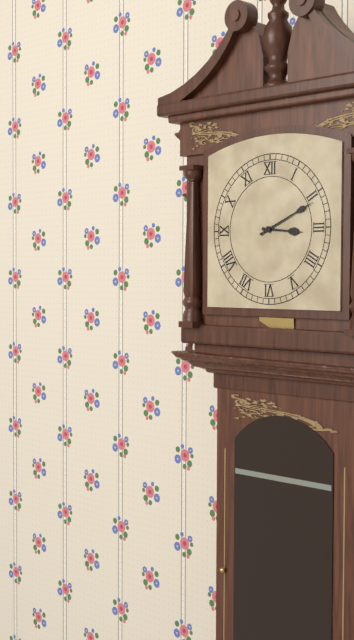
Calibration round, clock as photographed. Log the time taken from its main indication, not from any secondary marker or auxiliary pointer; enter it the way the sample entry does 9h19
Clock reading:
3h11
